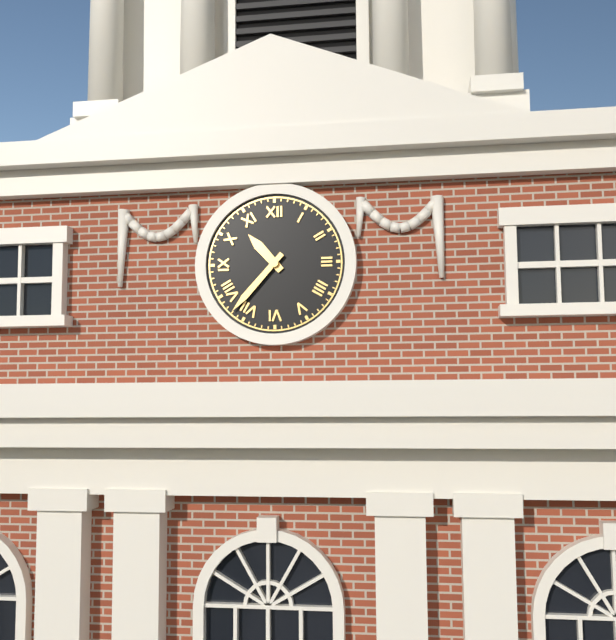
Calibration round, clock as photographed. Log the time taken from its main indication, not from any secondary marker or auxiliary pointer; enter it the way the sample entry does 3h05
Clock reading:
10h37
